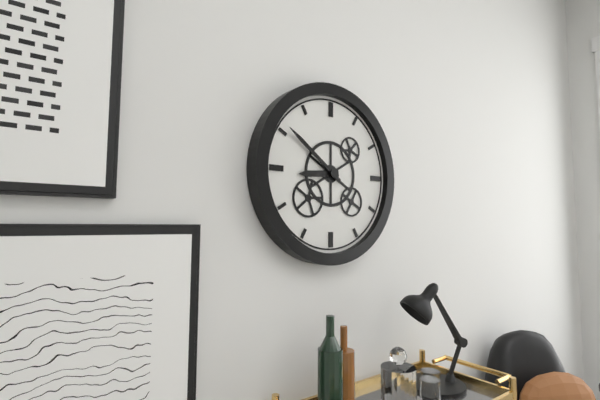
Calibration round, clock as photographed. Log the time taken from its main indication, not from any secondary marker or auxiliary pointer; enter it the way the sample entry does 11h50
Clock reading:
8h51
